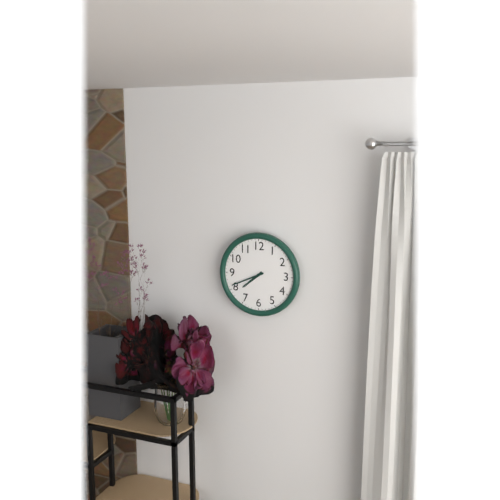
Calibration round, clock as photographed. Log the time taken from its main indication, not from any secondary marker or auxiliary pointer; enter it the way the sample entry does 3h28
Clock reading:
7h41
